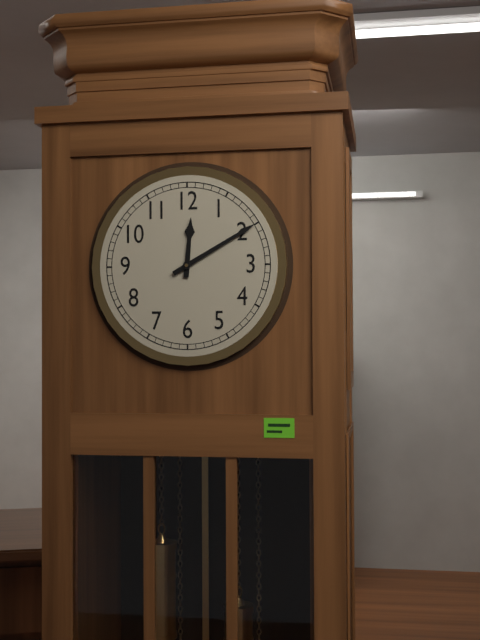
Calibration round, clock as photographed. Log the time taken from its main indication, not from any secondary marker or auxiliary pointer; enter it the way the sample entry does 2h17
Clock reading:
12h10
